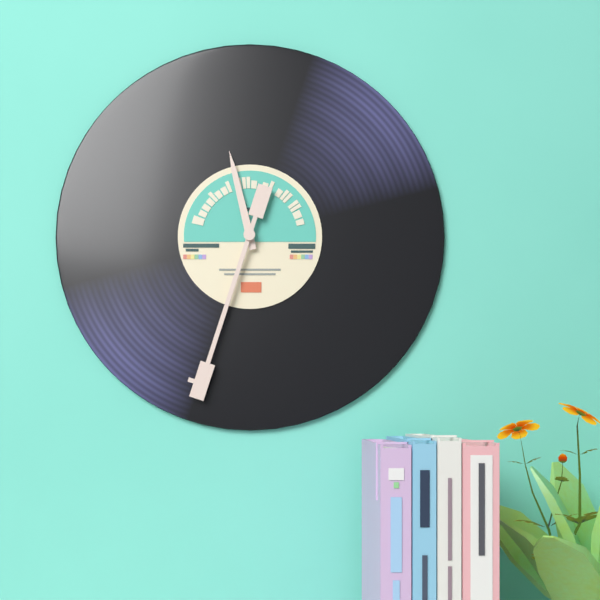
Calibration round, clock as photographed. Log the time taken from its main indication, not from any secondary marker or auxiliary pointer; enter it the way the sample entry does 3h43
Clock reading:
11h33
